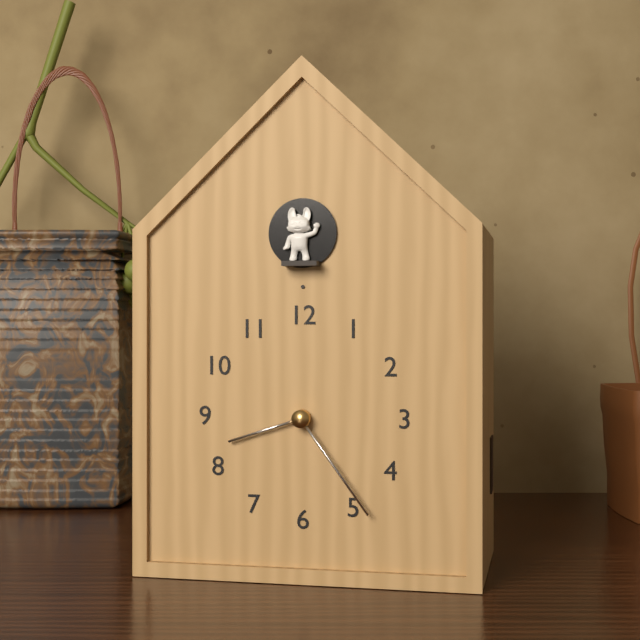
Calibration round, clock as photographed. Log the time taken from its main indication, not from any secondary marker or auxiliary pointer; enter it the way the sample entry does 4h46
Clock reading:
8h24
